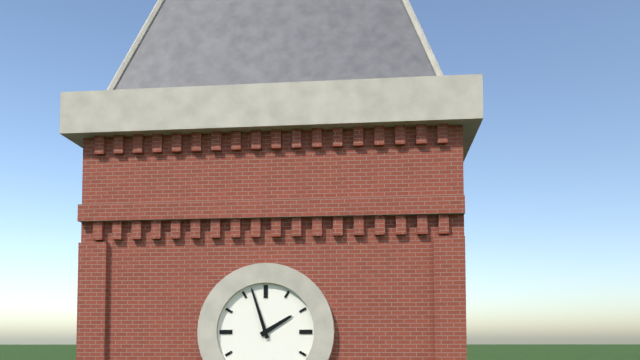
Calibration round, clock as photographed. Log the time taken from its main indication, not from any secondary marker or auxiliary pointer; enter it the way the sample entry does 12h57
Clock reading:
1h57
